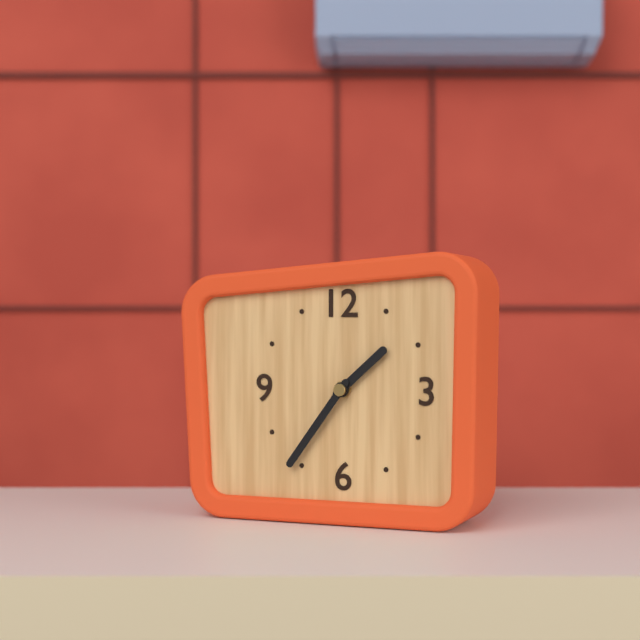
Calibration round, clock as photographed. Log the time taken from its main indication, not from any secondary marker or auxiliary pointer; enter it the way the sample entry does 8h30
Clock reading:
1h36
